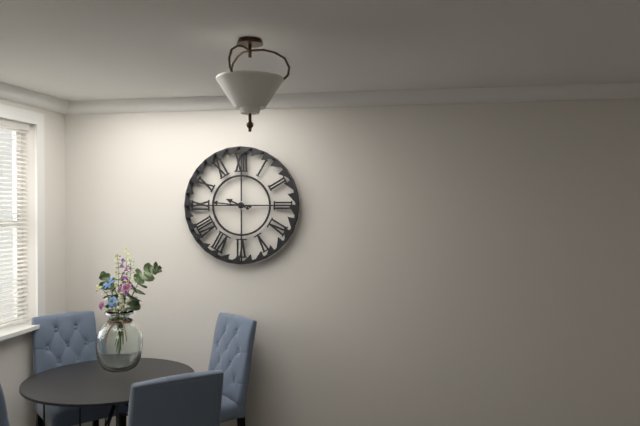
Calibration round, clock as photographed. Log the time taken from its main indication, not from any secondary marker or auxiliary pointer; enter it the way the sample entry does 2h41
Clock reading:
9h46
